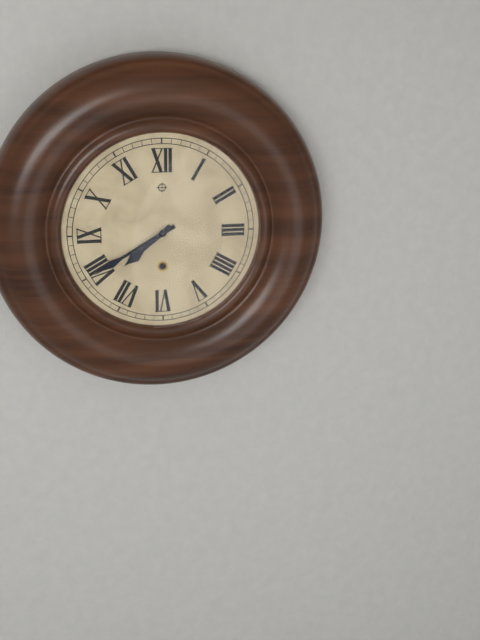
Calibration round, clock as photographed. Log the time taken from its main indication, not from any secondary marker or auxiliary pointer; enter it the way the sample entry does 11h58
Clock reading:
7h40
